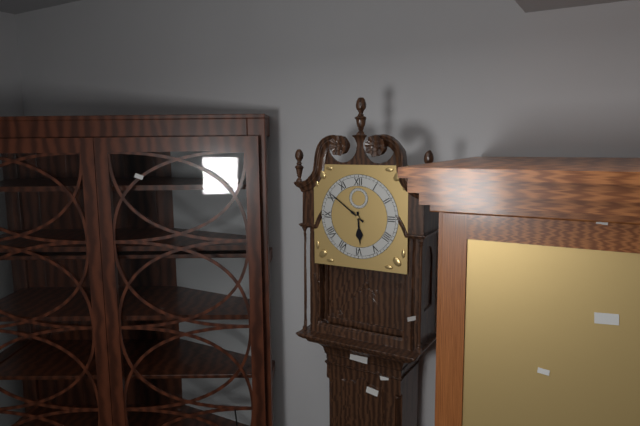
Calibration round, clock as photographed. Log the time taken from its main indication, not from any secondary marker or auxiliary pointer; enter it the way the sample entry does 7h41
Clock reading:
5h51
